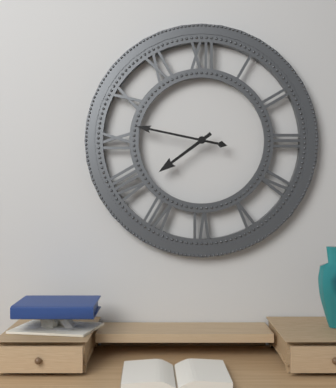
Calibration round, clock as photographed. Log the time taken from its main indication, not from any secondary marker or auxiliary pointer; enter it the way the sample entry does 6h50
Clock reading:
7h47
